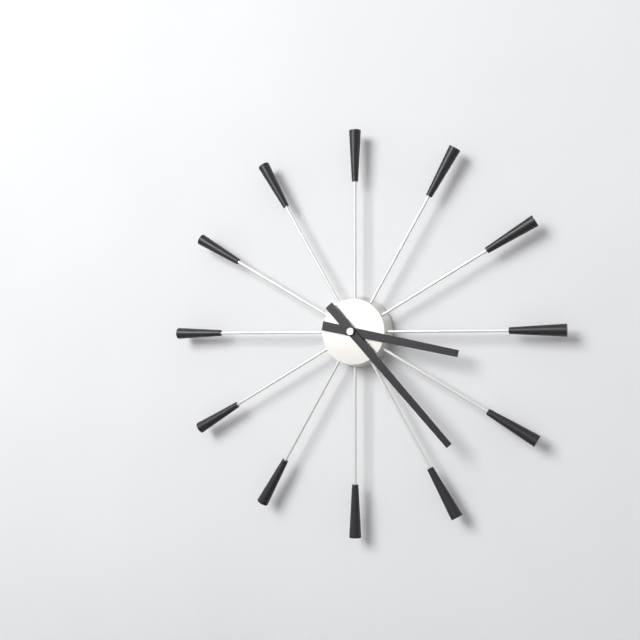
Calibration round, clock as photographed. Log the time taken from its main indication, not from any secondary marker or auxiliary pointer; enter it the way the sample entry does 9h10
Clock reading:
3h23
